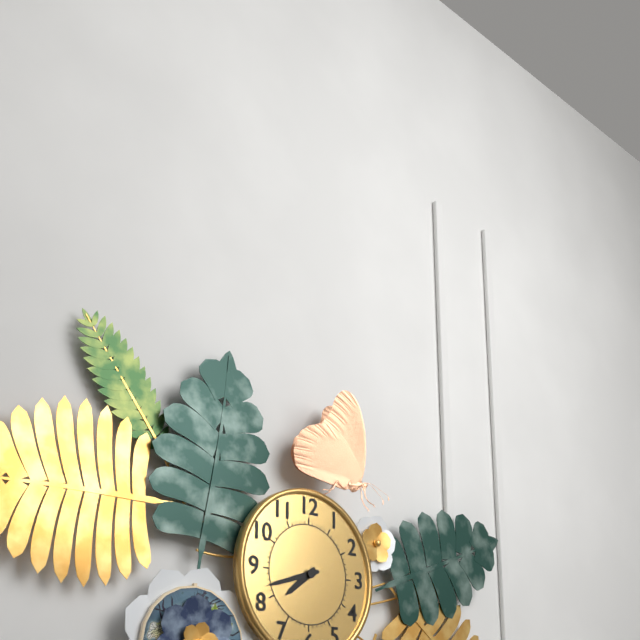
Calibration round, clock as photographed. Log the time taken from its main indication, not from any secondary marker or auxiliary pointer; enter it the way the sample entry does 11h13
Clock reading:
7h42
